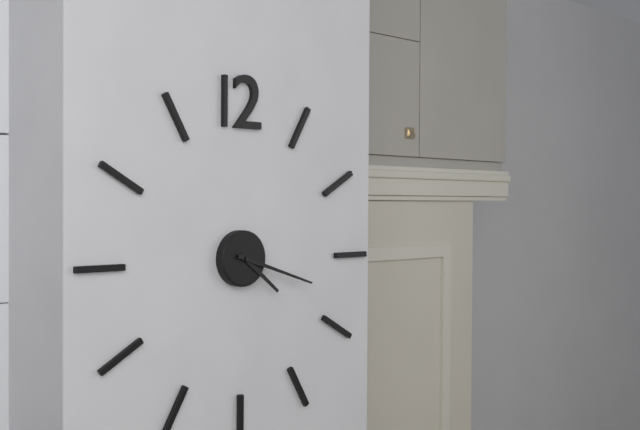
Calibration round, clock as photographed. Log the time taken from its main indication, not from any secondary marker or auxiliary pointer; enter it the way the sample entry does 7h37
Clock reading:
4h18
